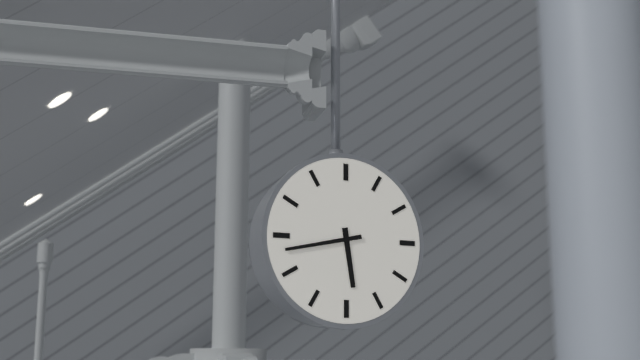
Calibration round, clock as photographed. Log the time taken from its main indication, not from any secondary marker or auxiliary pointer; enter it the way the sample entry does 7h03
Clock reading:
5h43
